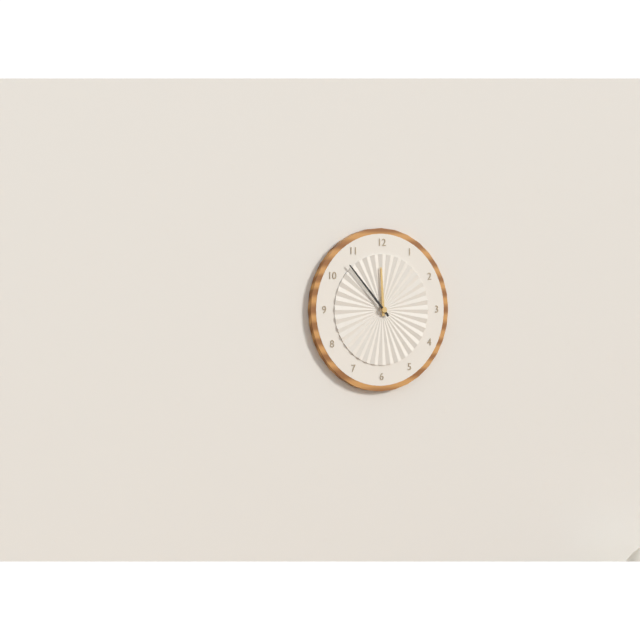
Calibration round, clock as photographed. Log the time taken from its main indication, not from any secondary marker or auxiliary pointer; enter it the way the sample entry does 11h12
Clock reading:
11h53
